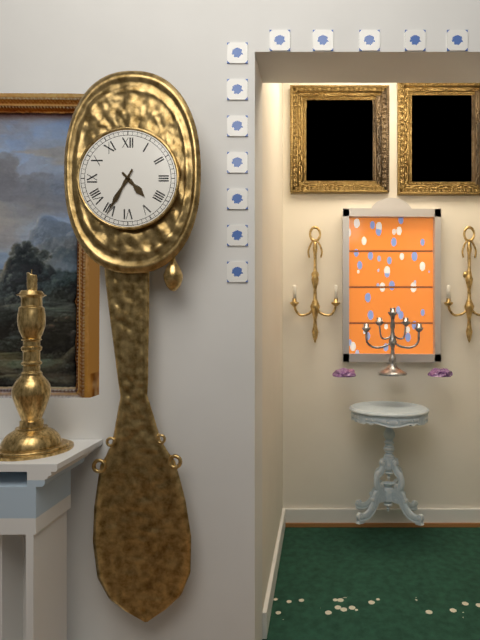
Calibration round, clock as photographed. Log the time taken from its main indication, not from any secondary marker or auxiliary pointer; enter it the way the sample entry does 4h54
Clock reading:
4h35
